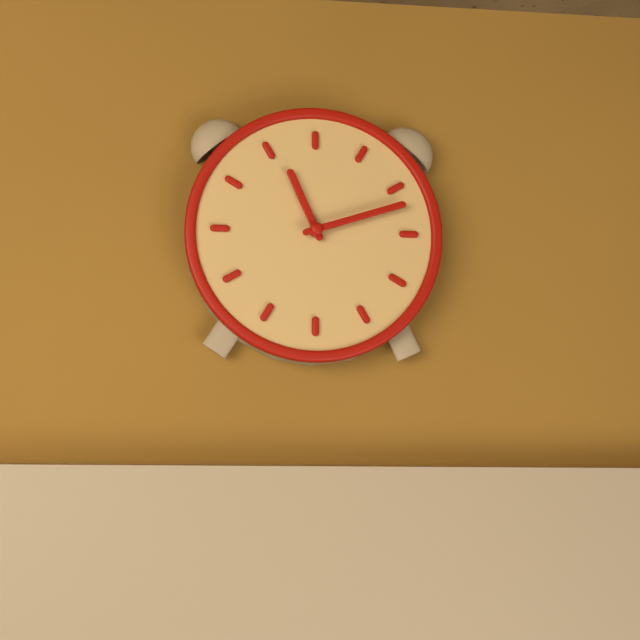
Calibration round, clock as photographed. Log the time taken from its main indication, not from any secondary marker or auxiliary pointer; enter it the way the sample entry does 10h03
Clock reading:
11h12
